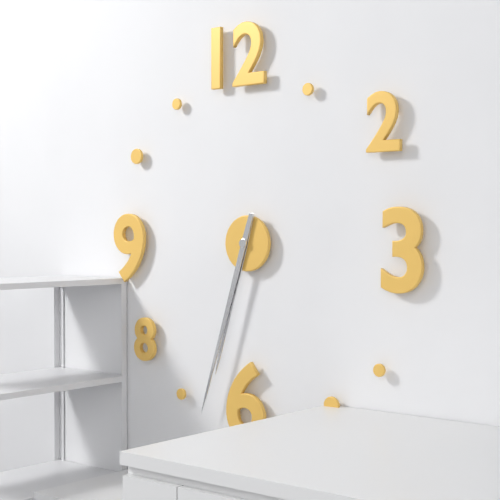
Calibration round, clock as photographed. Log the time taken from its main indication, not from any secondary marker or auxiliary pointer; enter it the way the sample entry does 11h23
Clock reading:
6h33
